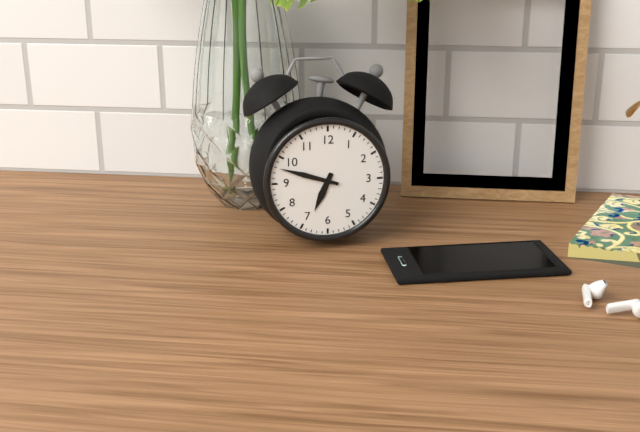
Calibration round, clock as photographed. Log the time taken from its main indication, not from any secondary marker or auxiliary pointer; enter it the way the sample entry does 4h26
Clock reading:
6h48
